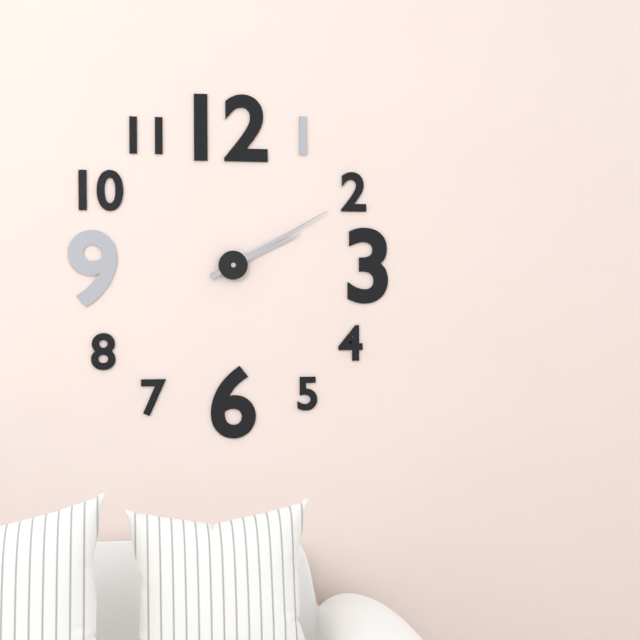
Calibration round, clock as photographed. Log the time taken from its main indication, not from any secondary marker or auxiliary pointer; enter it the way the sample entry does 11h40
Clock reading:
2h10
